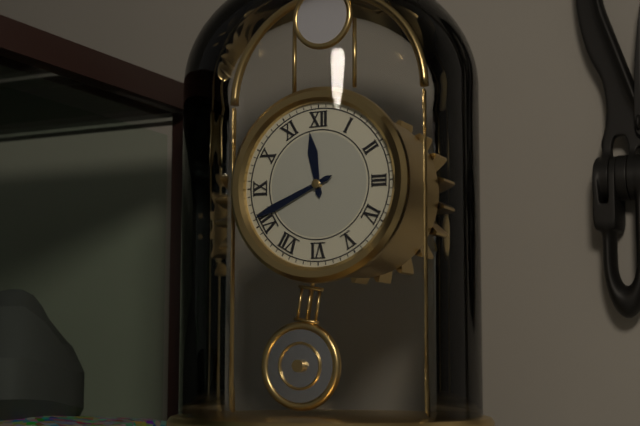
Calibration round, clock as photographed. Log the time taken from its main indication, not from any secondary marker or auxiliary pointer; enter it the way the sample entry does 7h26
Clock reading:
11h41
